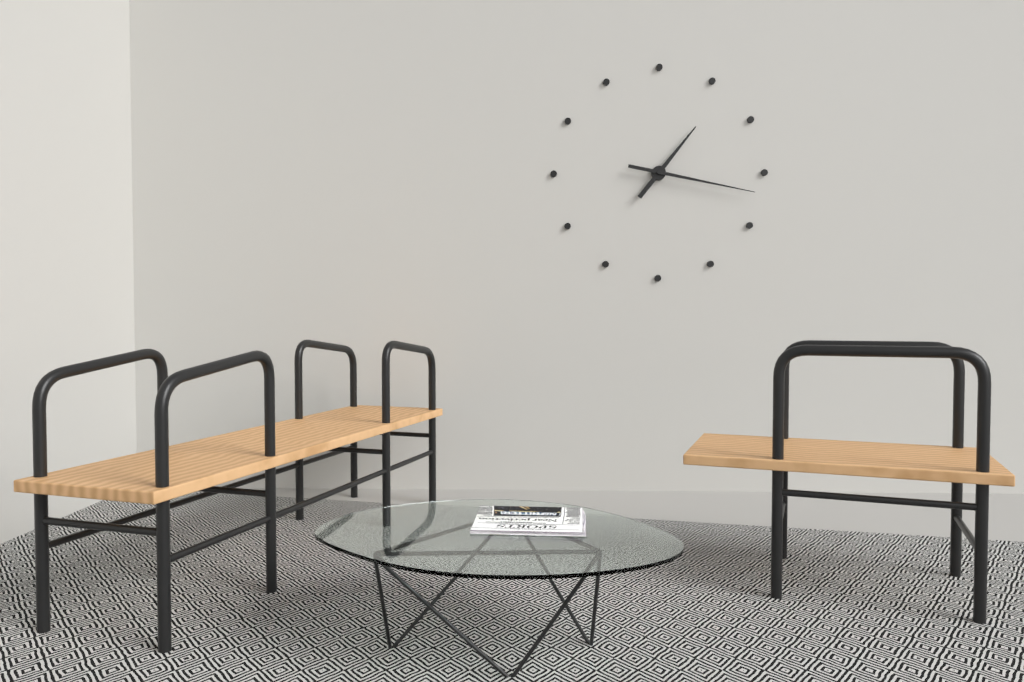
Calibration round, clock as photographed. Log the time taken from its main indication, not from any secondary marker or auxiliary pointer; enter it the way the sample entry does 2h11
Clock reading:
1h17
